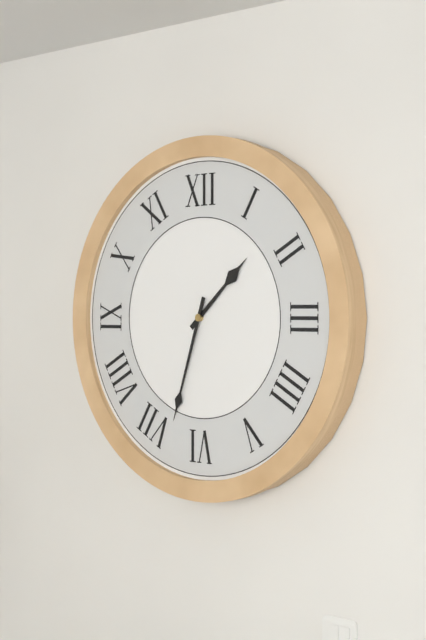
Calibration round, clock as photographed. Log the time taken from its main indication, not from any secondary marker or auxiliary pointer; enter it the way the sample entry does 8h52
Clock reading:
1h33
